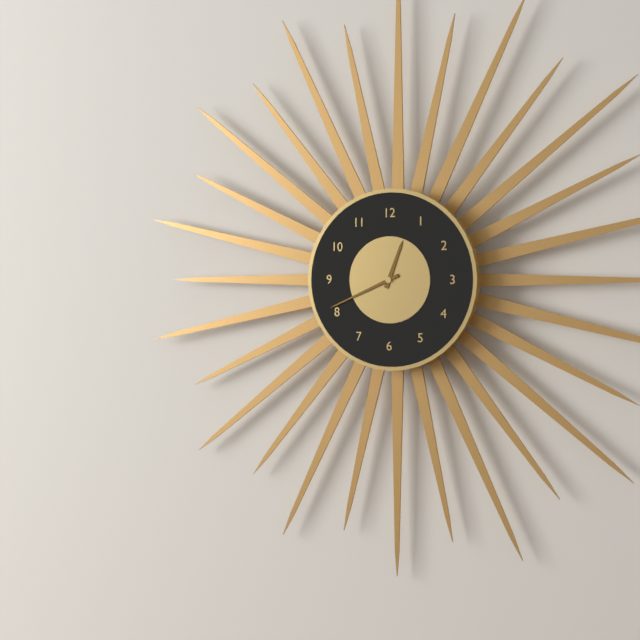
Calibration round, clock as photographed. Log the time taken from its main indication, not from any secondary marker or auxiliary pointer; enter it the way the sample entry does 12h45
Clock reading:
12h41
